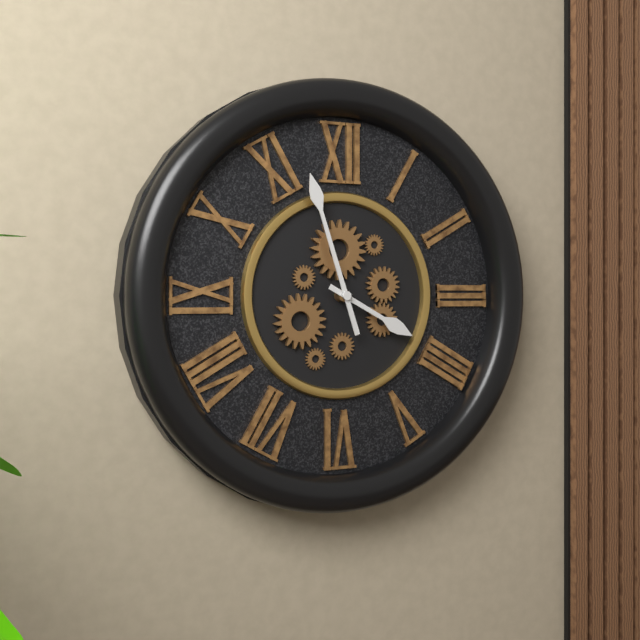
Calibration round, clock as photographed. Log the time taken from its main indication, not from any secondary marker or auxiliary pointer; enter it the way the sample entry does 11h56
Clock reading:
3h57
